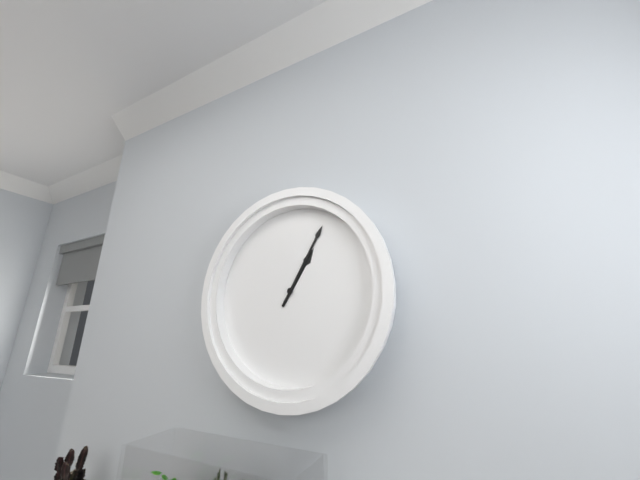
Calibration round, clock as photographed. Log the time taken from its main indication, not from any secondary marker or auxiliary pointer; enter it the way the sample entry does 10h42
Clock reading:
1h05
